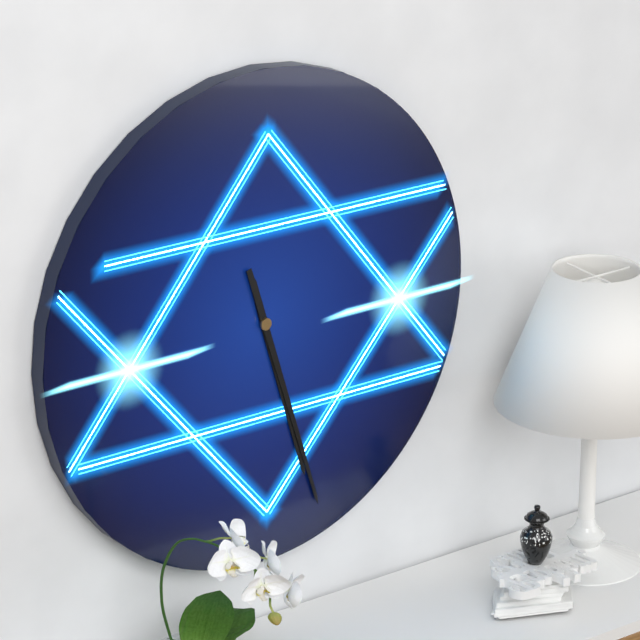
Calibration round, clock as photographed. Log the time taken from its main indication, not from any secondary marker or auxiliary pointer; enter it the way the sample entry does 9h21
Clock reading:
5h27
